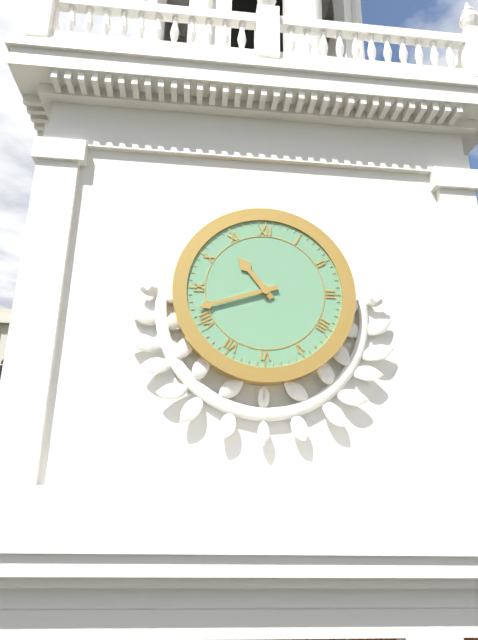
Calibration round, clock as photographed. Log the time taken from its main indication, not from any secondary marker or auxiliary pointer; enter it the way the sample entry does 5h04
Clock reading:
10h42
